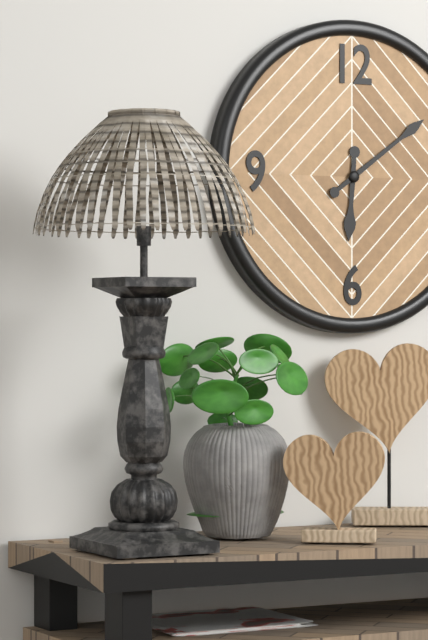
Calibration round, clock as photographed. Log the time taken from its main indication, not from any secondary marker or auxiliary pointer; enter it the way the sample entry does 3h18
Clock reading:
6h09
